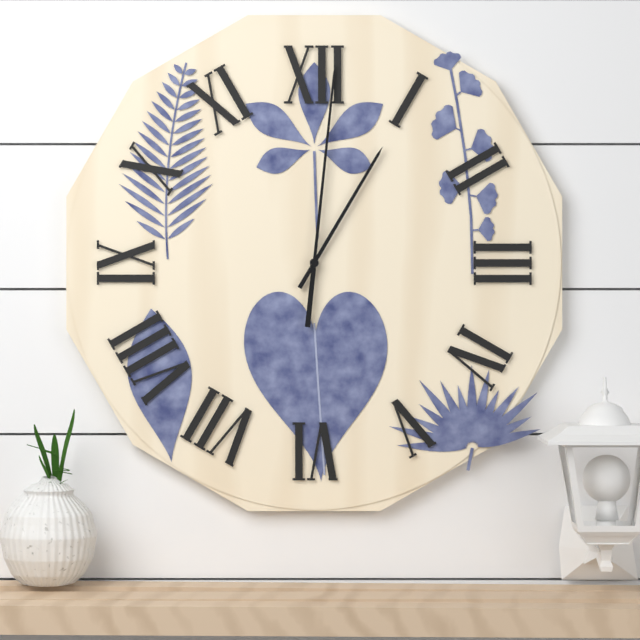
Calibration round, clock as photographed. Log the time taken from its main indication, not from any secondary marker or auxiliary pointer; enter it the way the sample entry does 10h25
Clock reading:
1h01
